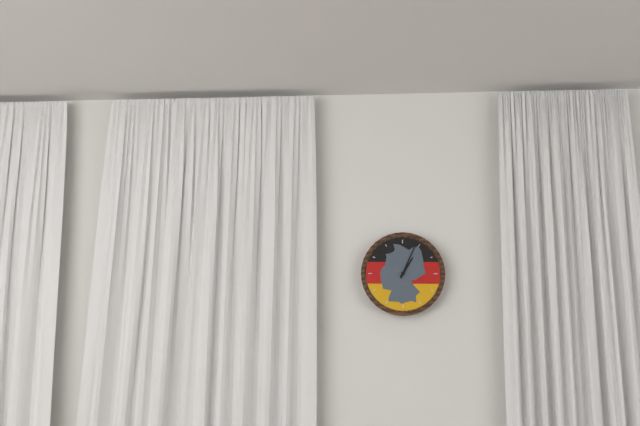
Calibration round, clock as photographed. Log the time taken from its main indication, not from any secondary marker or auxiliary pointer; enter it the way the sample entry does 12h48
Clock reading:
1h04
